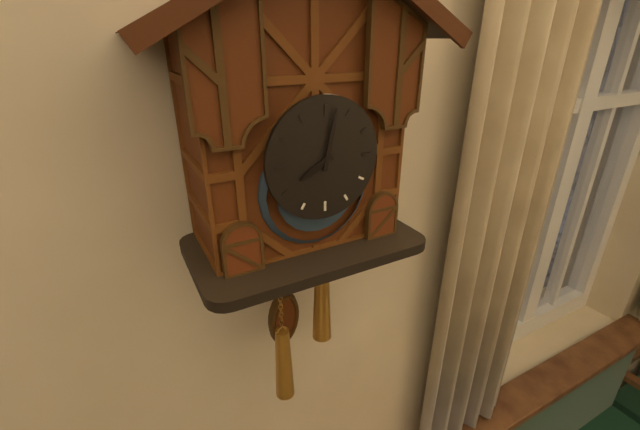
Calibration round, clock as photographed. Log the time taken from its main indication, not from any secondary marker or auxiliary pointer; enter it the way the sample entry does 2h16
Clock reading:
8h02
